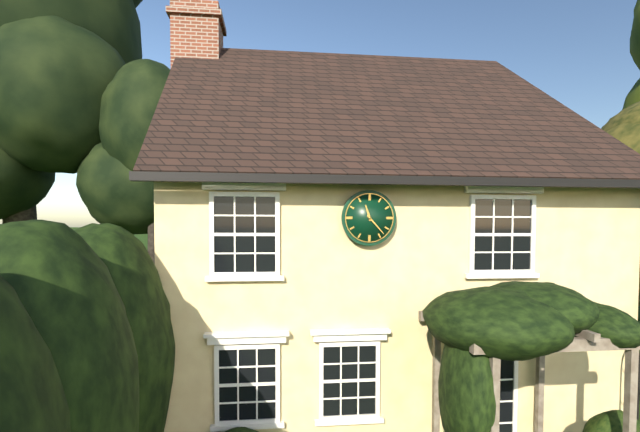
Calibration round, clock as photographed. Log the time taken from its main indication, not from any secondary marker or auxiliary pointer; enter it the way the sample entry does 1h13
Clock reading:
11h23
